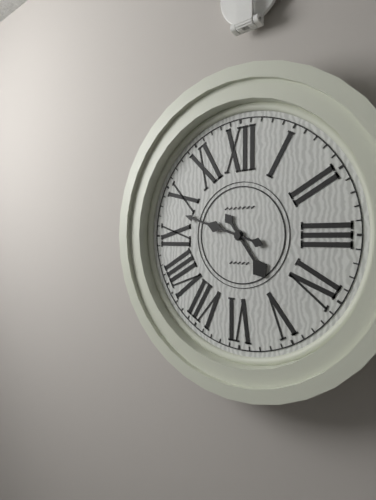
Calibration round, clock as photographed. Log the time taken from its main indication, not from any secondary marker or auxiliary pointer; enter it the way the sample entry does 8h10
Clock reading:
4h48
